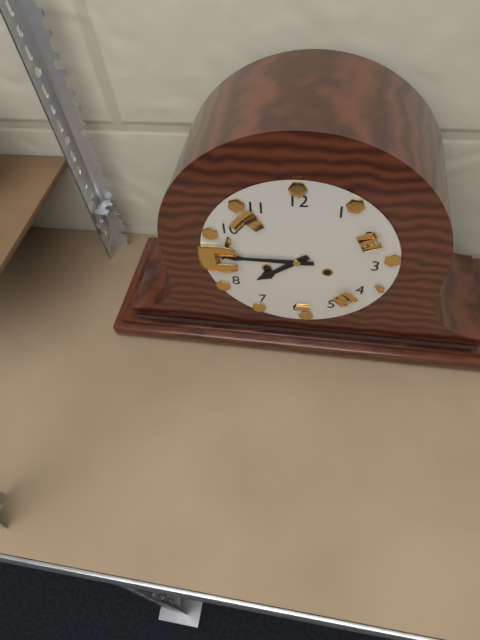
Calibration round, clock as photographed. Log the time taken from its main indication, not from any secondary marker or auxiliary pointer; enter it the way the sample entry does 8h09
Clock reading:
7h45
